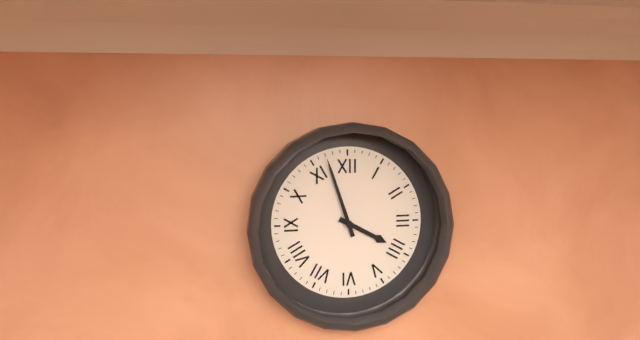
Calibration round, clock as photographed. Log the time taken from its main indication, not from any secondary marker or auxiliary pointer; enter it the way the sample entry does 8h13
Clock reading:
3h57
